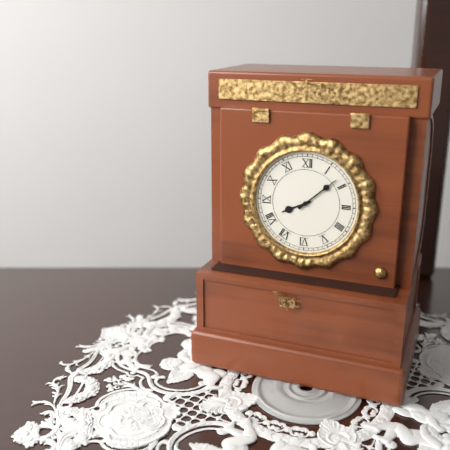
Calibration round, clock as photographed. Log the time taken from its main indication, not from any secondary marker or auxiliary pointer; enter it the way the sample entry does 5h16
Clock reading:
8h08
